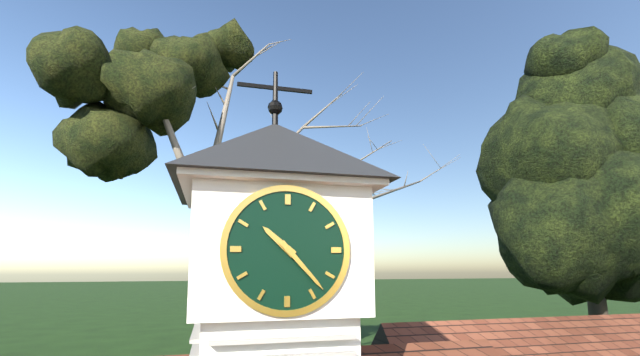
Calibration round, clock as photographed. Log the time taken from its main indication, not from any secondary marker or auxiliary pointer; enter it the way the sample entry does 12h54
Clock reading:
10h23
